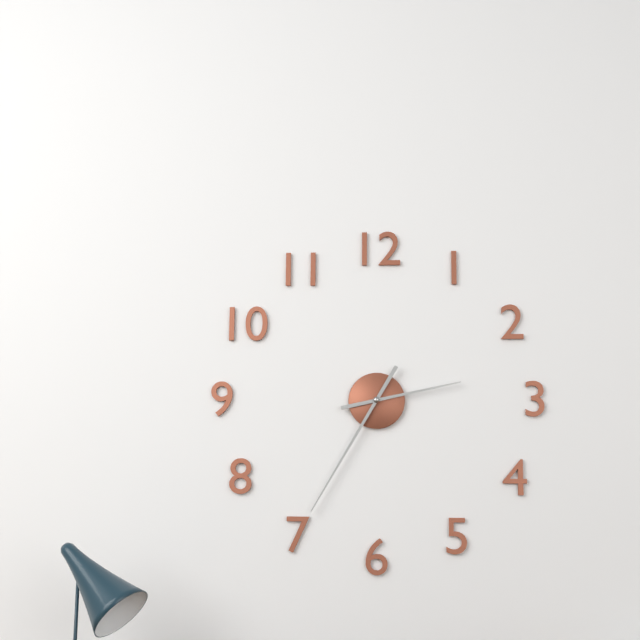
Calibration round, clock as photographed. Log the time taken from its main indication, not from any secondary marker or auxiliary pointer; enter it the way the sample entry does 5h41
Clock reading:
2h35
